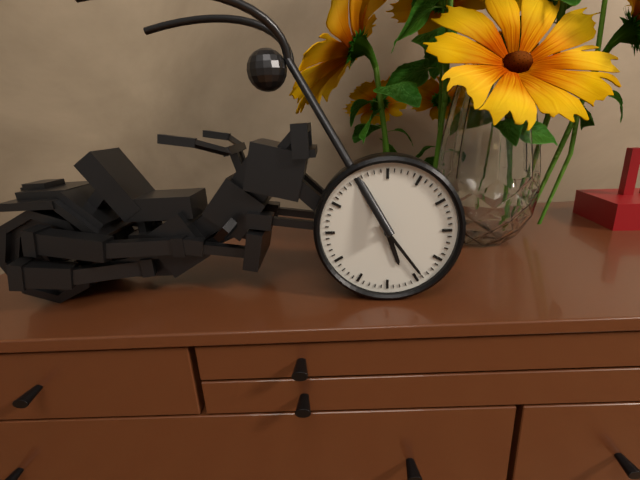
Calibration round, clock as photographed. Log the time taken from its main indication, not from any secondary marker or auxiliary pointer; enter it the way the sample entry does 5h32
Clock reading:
5h24
